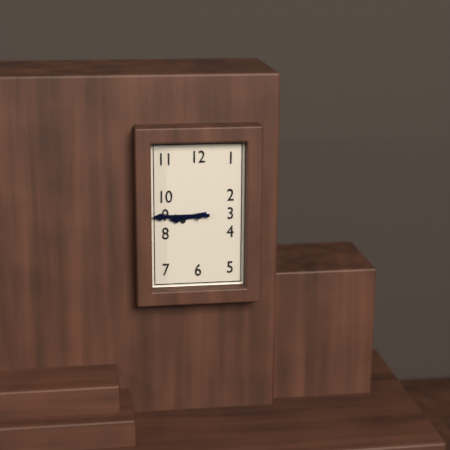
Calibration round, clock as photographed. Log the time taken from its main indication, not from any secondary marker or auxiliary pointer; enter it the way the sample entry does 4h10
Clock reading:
8h45
